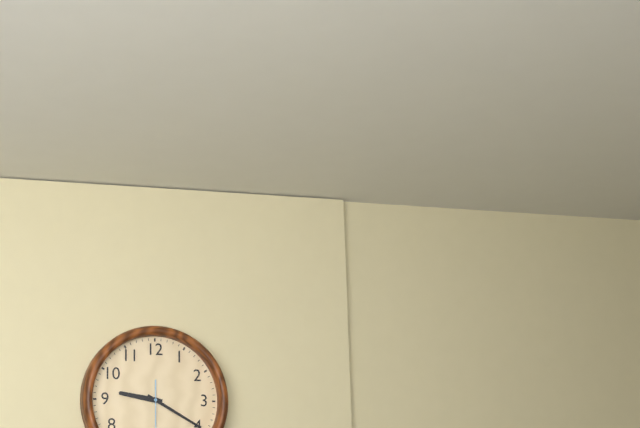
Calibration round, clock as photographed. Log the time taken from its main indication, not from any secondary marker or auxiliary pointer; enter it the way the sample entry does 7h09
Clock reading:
9h20
